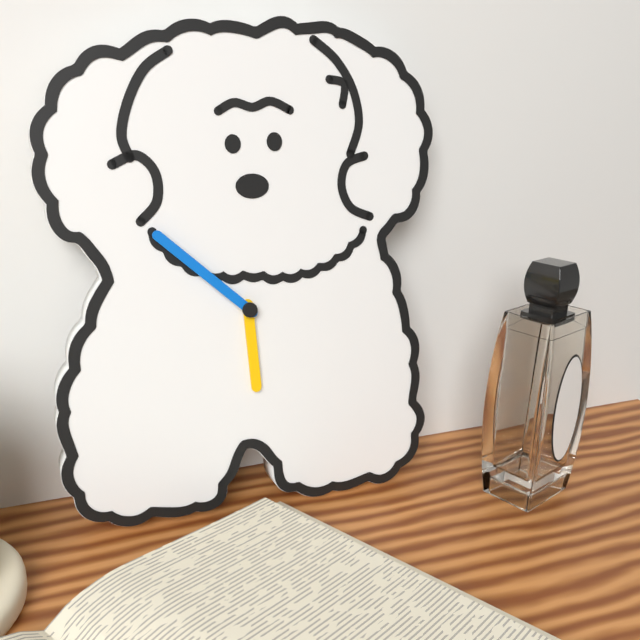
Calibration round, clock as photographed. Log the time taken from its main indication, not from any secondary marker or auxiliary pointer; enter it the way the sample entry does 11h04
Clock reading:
5h52
